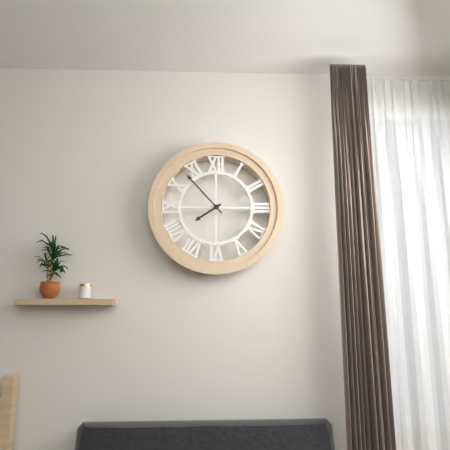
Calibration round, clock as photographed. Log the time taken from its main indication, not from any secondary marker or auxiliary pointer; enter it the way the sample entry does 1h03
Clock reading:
7h53
